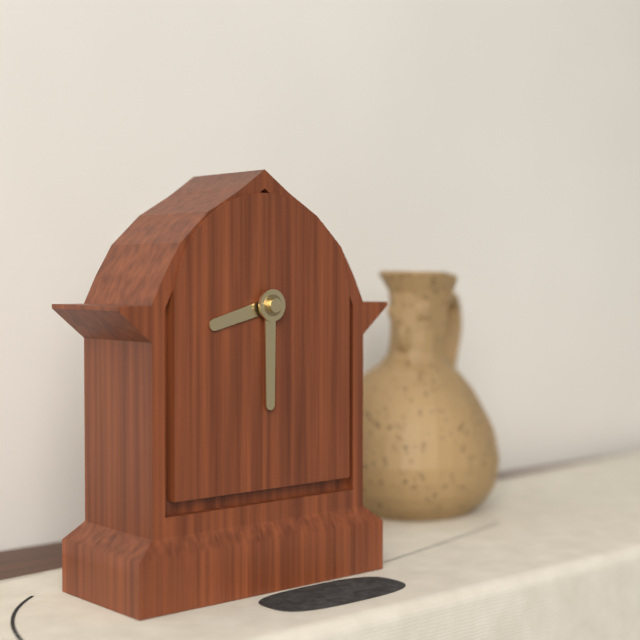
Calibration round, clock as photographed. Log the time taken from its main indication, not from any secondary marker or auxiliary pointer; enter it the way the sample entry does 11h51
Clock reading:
8h30
